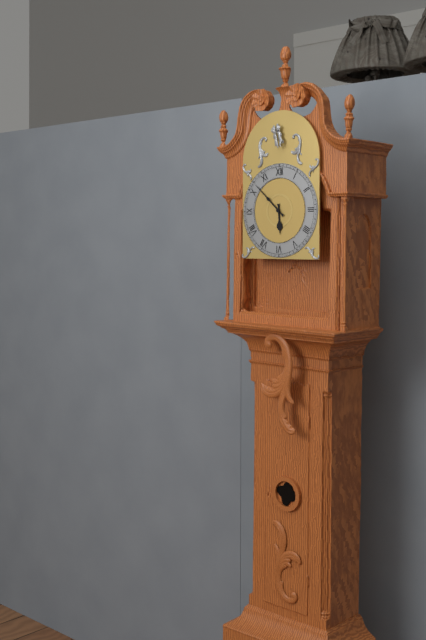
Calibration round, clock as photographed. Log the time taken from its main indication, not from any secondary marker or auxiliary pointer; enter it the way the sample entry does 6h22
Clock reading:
5h52
